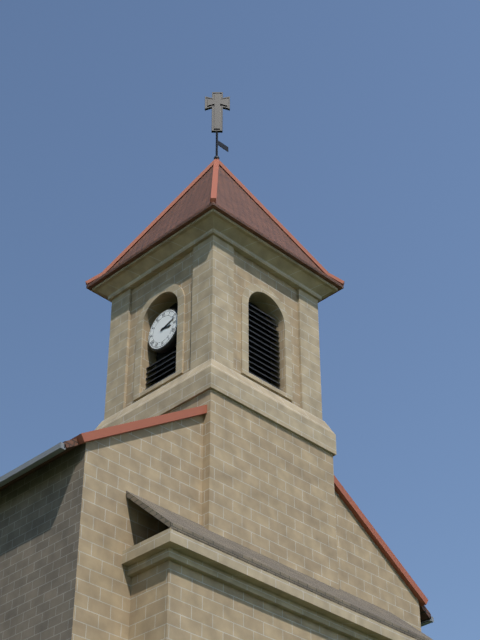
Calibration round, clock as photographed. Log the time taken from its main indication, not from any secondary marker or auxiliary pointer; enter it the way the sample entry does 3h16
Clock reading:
3h12
